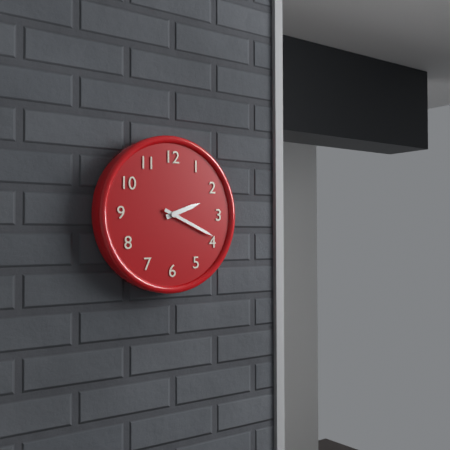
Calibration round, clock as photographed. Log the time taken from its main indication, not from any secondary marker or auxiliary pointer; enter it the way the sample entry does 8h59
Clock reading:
2h19
